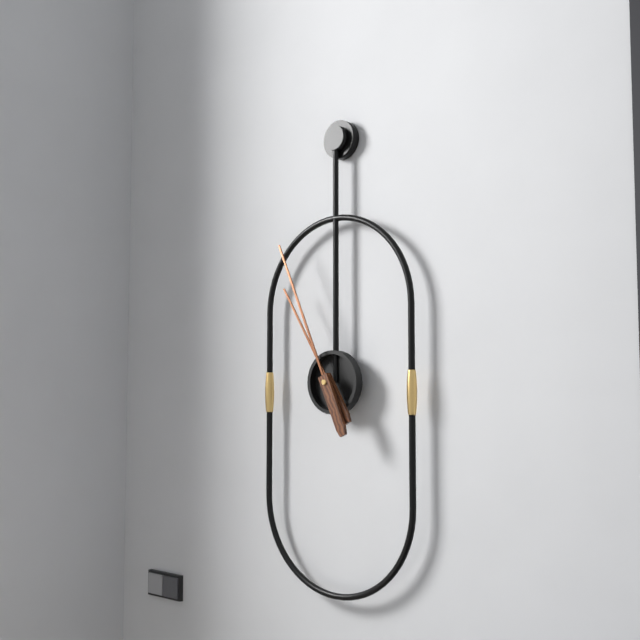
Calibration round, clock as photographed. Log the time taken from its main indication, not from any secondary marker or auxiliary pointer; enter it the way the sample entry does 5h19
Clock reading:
10h56
